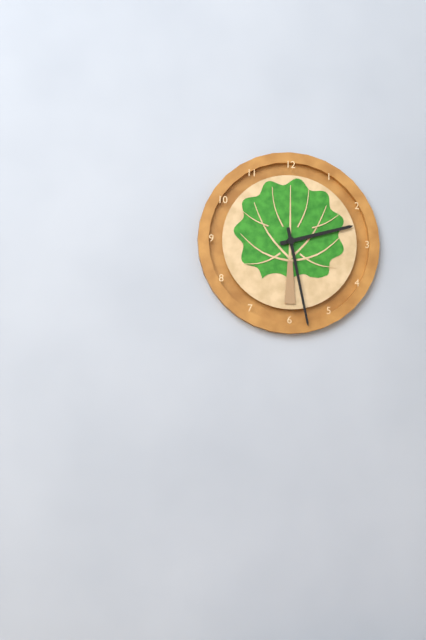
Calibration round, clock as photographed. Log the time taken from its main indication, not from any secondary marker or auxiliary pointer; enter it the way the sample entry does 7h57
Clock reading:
2h28
